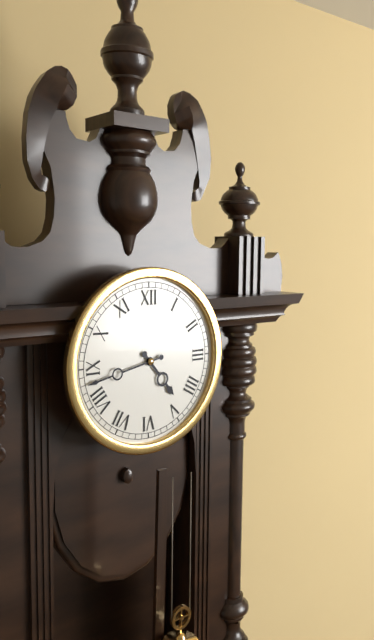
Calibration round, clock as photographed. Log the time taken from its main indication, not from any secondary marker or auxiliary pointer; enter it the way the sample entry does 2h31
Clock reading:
4h43
